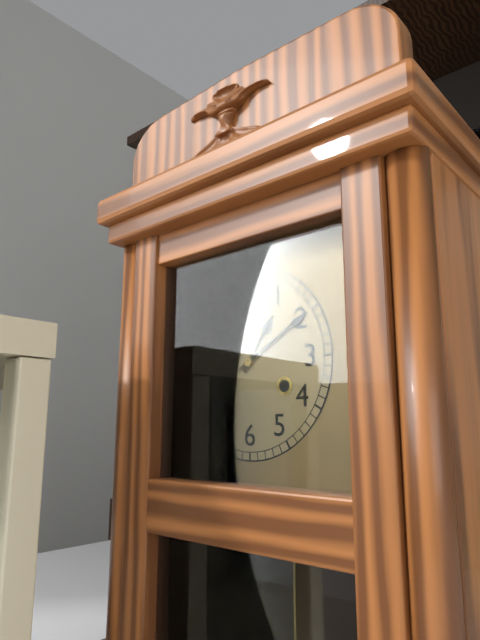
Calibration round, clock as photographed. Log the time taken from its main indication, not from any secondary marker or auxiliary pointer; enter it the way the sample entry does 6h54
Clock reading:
1h10
